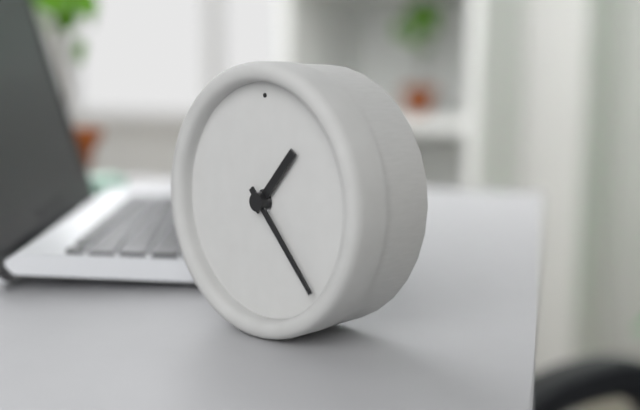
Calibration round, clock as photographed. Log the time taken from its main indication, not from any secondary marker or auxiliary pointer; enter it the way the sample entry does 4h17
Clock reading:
1h23
